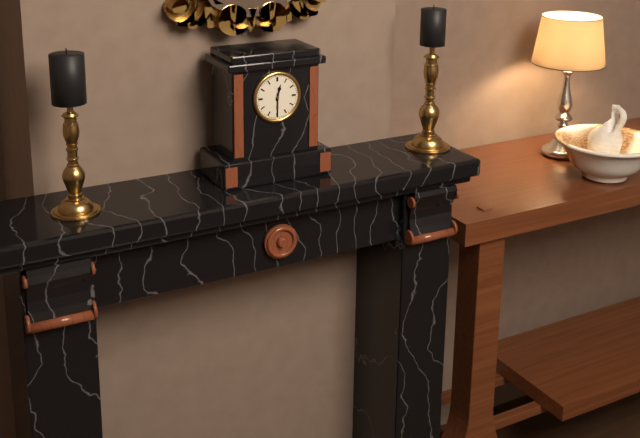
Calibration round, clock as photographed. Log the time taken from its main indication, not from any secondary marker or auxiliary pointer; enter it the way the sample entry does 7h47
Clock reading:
12h30
